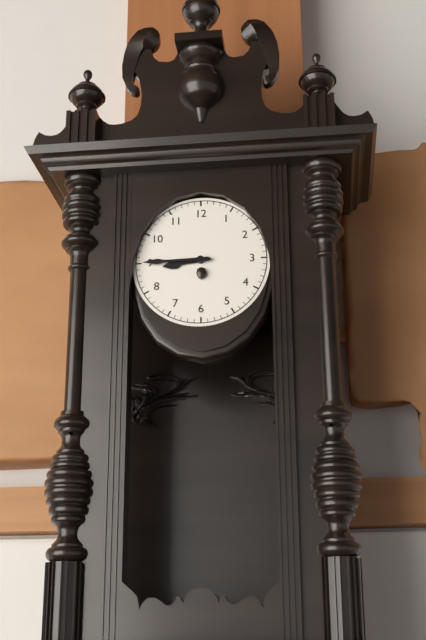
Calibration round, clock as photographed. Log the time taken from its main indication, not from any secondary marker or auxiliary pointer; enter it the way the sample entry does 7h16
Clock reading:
8h45
